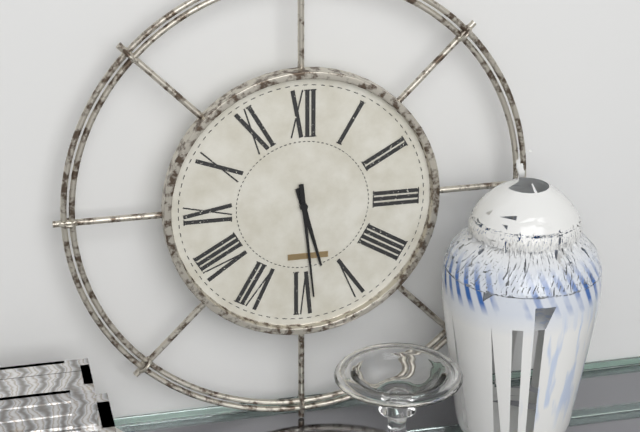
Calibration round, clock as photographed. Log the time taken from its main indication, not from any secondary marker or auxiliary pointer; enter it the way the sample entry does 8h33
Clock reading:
5h29
